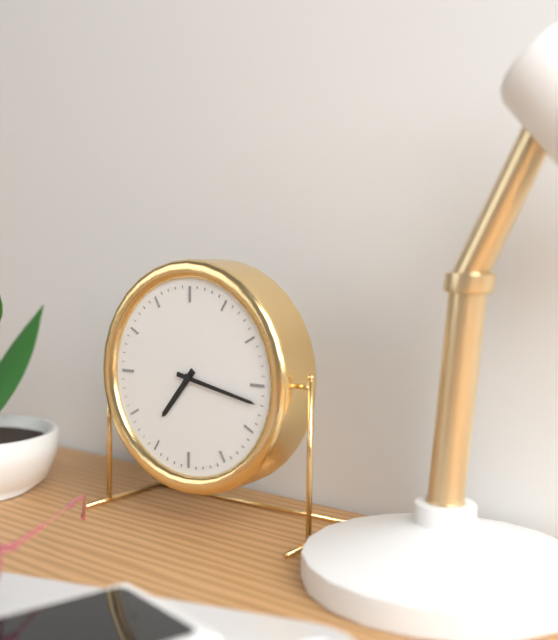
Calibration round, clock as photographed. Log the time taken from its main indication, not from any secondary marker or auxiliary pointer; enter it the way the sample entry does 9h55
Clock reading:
7h17
